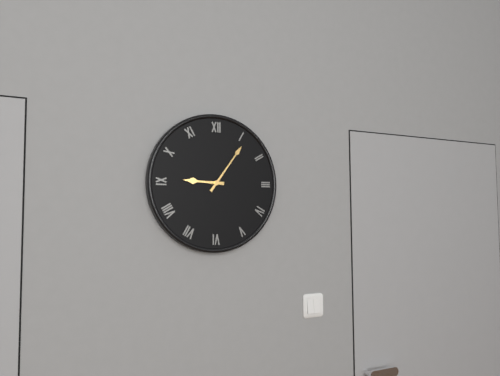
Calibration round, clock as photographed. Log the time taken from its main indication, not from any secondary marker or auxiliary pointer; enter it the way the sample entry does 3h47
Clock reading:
9h06
